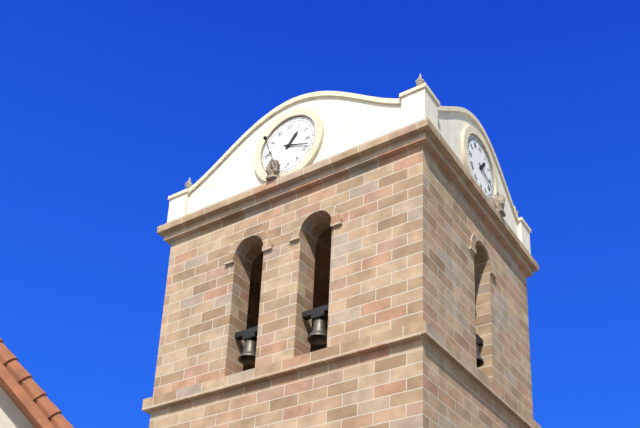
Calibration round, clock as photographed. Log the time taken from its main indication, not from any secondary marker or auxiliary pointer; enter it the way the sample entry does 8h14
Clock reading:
1h18
